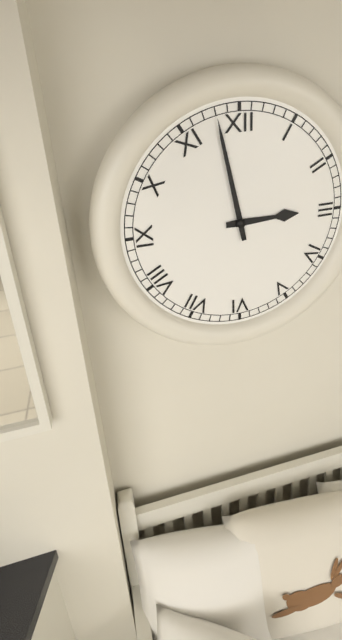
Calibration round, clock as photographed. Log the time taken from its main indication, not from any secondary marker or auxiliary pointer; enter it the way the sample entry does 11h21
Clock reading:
2h58
